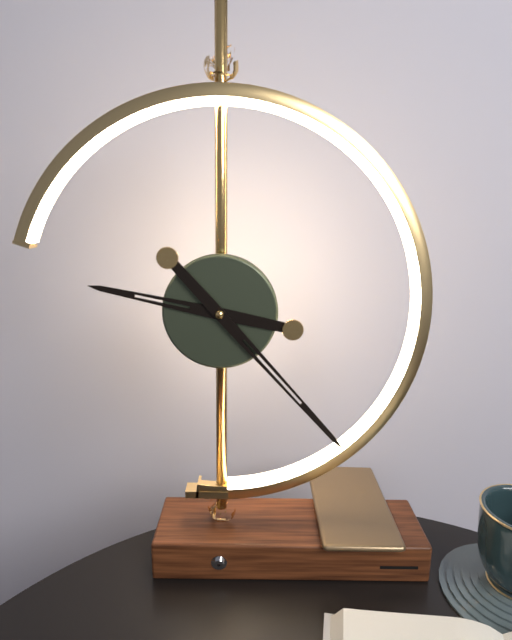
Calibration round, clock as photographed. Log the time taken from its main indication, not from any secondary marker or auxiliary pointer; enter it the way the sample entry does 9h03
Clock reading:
9h23
